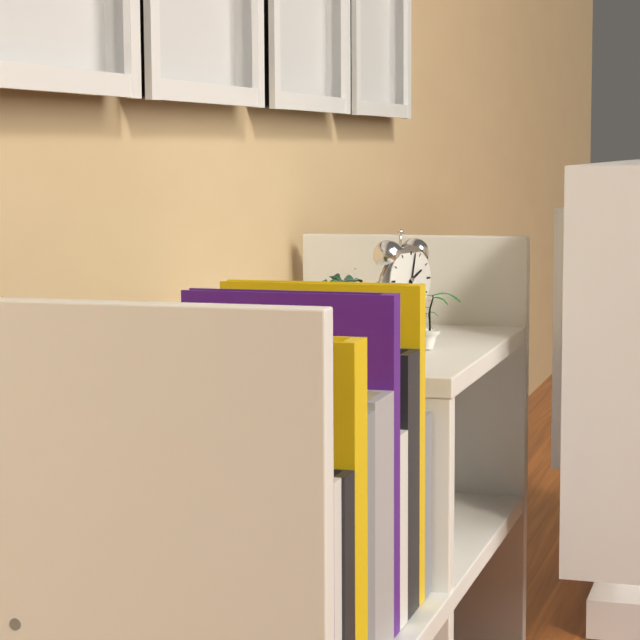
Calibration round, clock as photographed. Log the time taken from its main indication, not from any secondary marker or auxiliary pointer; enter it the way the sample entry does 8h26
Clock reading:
2h02
